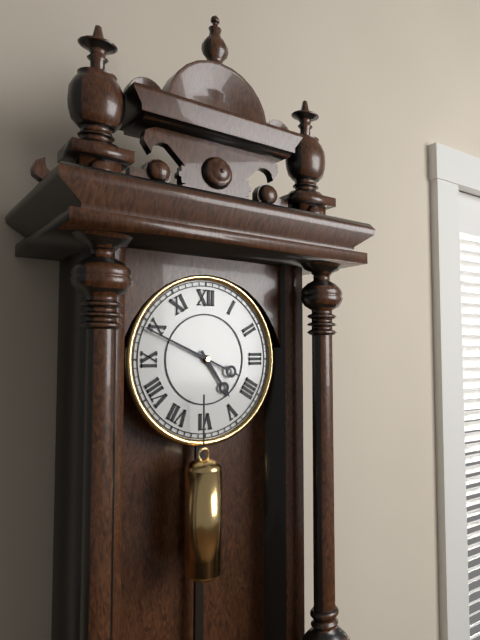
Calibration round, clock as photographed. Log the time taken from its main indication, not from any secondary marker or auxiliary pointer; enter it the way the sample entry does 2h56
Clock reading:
4h49
